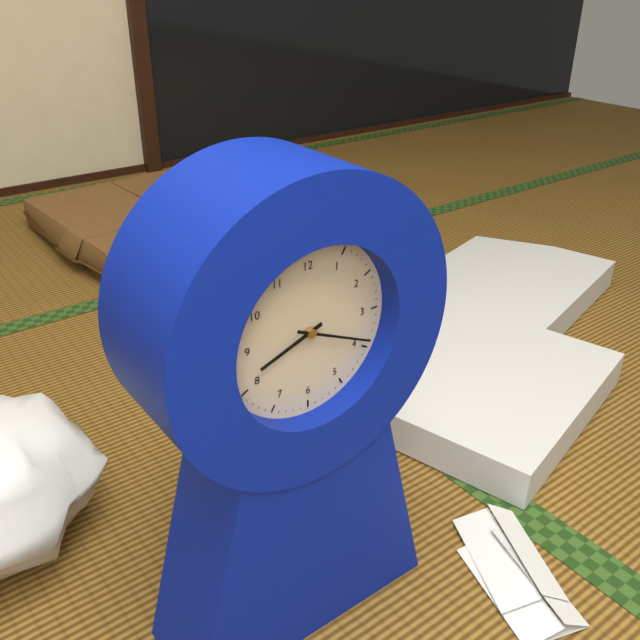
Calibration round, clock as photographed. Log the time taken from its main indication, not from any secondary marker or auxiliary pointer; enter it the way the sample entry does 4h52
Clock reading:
8h19
